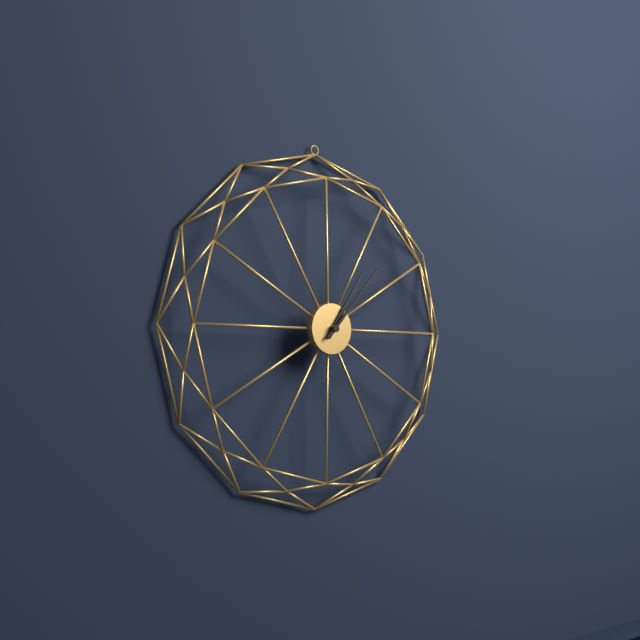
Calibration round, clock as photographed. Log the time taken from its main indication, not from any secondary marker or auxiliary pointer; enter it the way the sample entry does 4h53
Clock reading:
1h07
